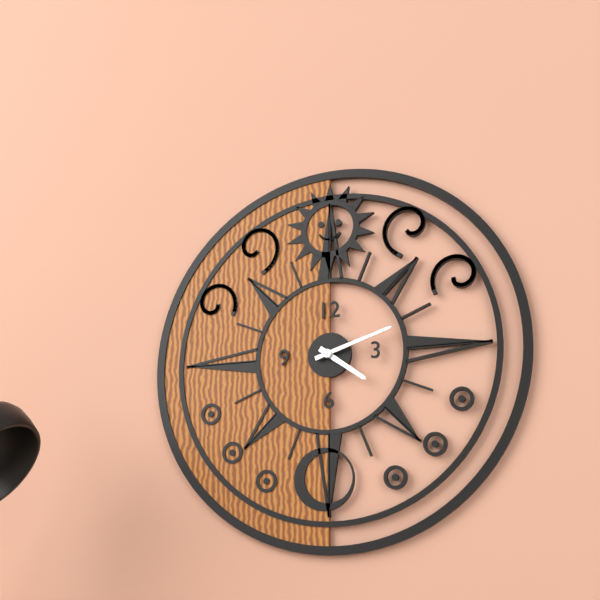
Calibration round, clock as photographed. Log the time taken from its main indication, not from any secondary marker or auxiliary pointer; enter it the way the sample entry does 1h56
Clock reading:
4h12
